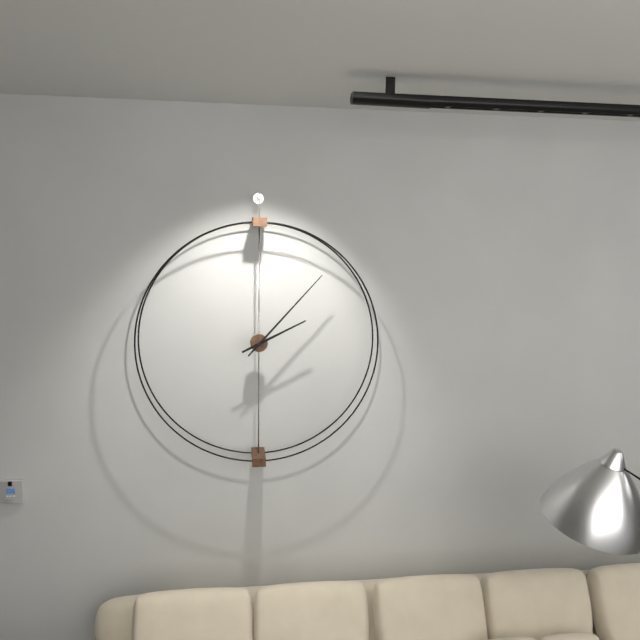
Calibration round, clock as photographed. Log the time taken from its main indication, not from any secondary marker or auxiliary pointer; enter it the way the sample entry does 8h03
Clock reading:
2h07
